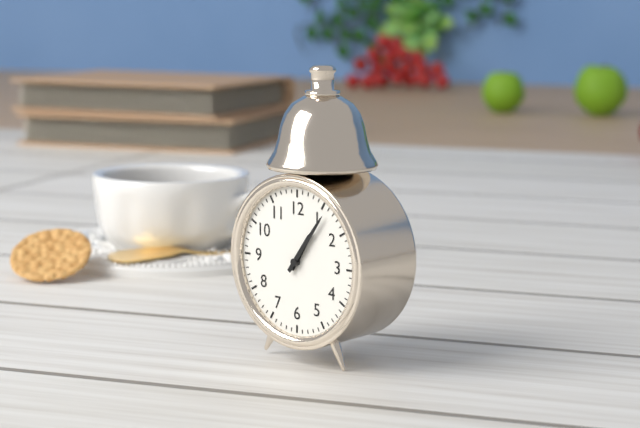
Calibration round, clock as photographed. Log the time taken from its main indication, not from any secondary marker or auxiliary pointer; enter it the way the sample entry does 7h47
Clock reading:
1h06
